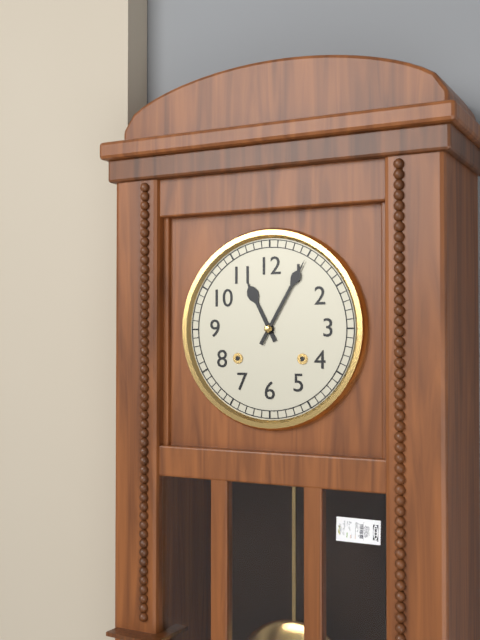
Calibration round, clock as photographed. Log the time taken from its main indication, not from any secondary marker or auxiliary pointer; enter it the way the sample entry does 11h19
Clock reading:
11h05
